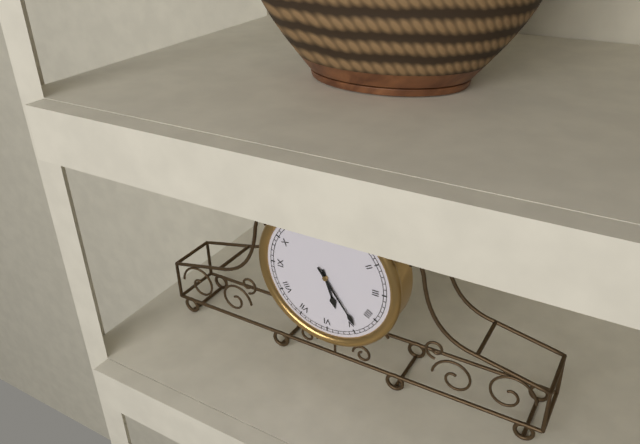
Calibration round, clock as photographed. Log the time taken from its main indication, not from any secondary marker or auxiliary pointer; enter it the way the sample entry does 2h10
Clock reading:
5h24
